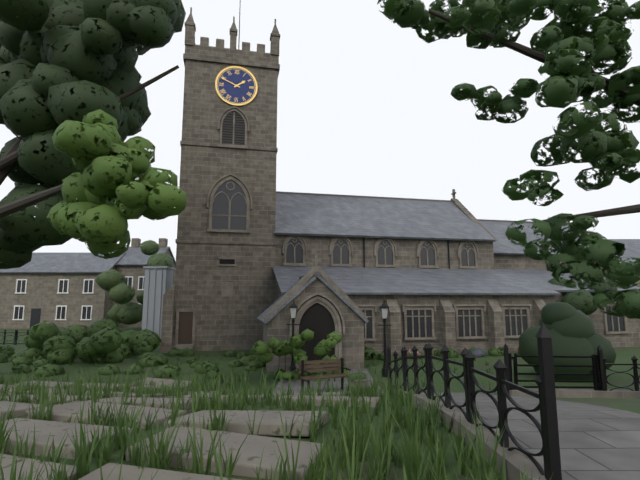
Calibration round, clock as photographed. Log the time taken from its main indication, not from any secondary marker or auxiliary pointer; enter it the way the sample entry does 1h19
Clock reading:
1h49
